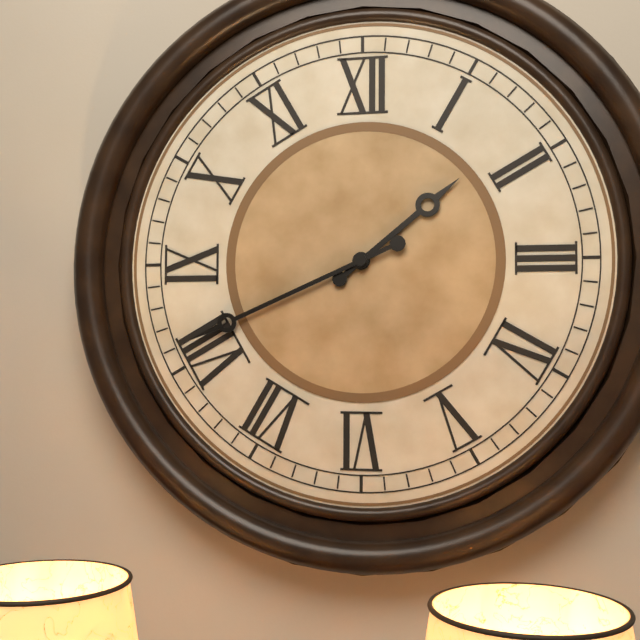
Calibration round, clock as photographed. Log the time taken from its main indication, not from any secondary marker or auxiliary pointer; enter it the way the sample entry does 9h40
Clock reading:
1h41
